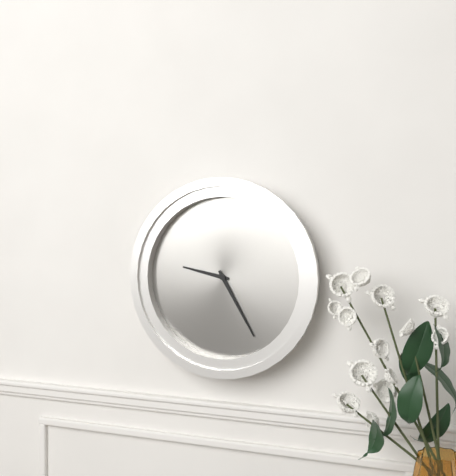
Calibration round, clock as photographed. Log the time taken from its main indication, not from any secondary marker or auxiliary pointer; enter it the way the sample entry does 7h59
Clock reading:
9h25
